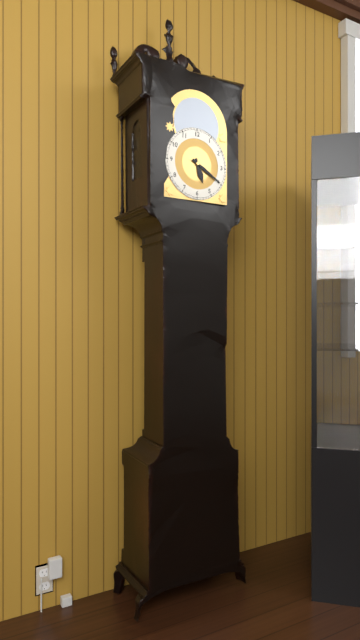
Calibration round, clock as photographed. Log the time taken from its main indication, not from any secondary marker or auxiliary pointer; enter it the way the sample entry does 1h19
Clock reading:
5h20
